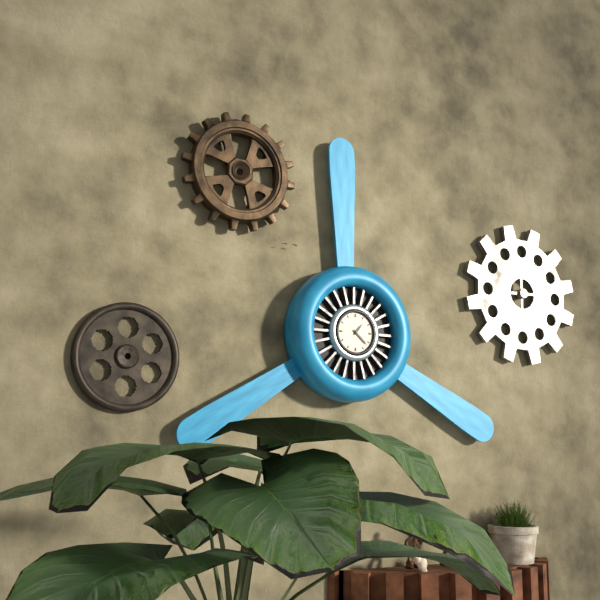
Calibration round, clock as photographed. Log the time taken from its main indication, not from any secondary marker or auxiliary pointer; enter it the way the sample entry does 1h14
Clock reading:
1h22
